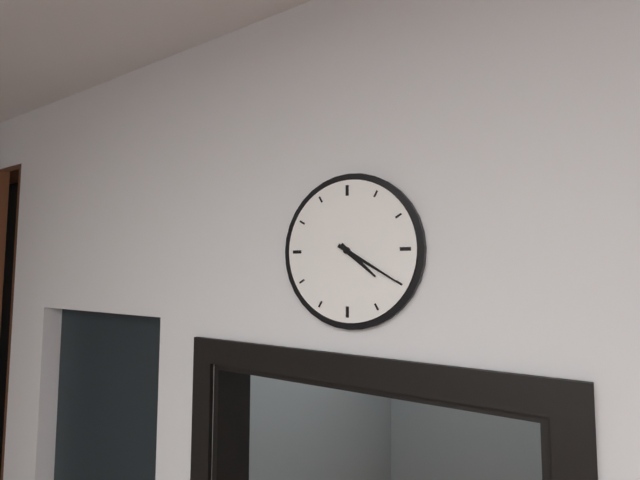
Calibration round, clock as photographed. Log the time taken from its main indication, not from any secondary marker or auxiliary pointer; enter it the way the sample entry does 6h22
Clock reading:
4h20
